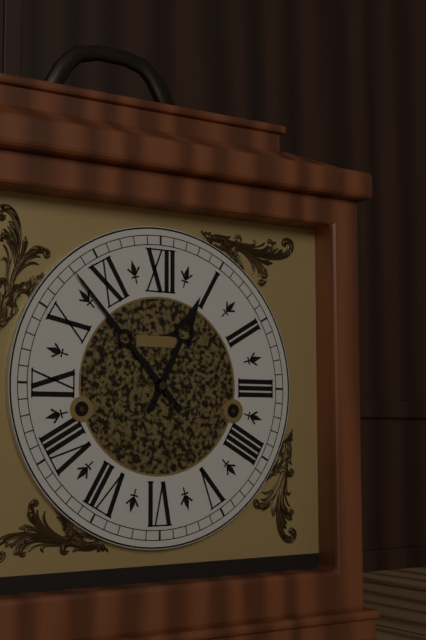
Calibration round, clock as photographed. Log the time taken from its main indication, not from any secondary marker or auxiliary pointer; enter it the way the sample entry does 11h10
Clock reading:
12h53
